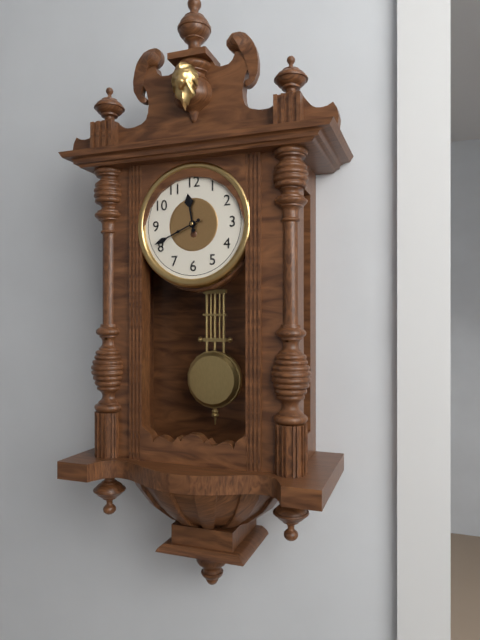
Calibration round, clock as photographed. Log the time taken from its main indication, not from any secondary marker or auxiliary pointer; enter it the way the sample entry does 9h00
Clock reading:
11h41
